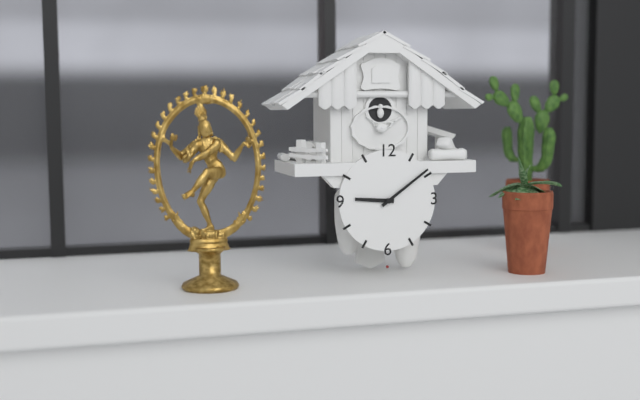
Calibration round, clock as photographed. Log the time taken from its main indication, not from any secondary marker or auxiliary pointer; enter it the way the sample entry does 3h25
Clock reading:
9h09
